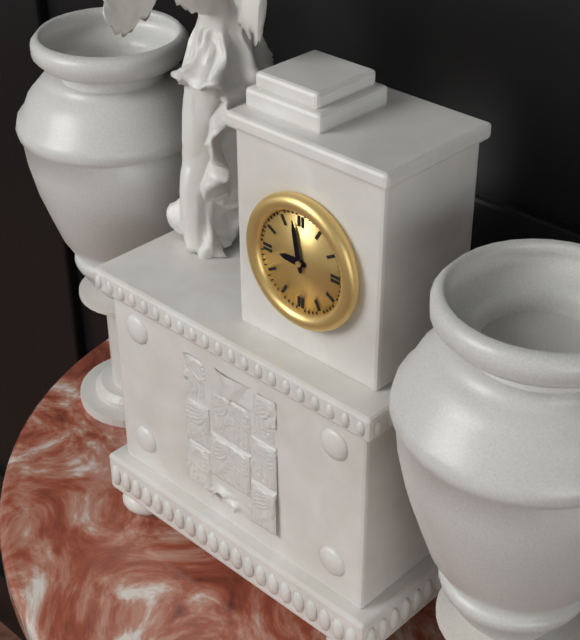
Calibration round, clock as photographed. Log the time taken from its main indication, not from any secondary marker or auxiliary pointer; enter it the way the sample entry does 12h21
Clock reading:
8h58
